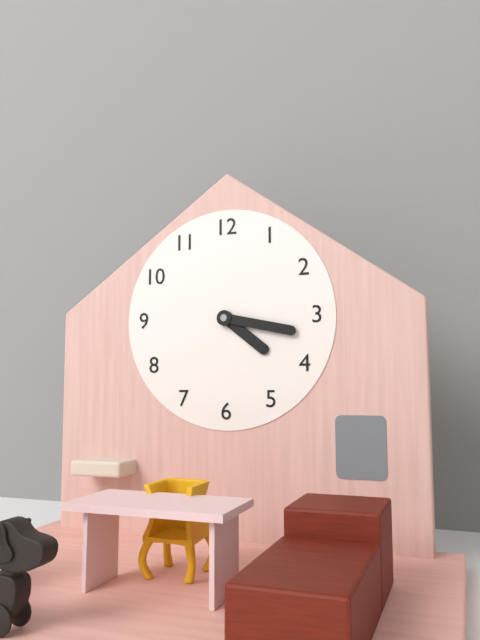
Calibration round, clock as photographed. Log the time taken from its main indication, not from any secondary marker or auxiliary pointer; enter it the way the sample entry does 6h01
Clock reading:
4h17
